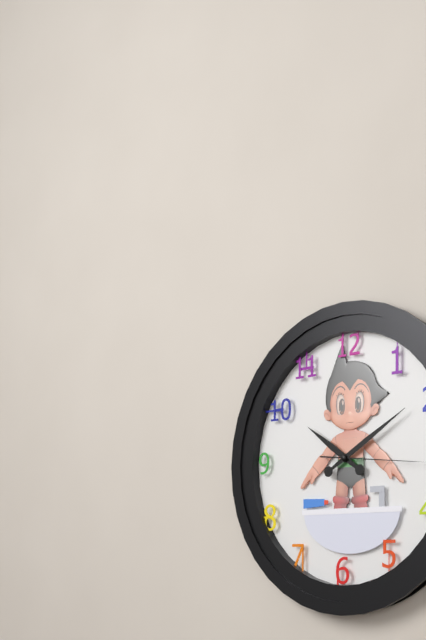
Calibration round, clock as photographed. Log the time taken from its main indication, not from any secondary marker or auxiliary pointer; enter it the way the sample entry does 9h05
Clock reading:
10h10
